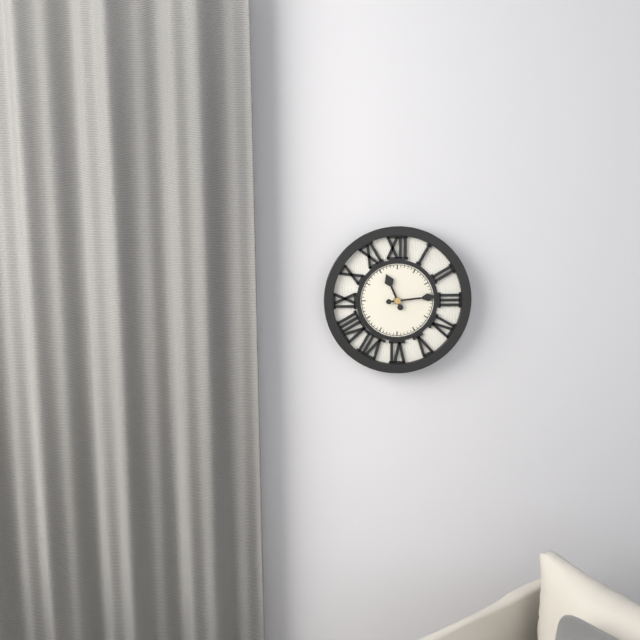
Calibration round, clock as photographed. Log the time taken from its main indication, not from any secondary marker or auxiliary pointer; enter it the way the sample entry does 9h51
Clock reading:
11h14
